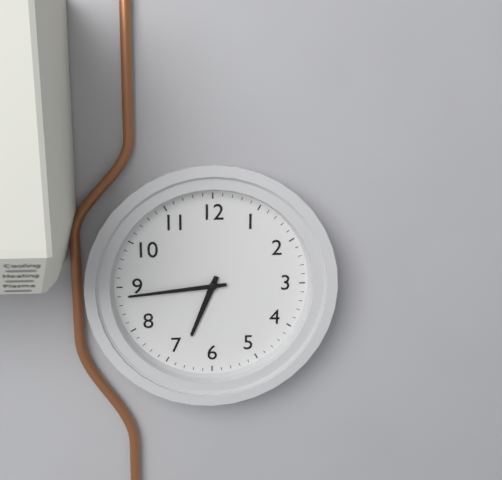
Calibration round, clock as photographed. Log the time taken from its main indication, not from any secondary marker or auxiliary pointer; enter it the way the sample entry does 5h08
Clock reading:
6h44
